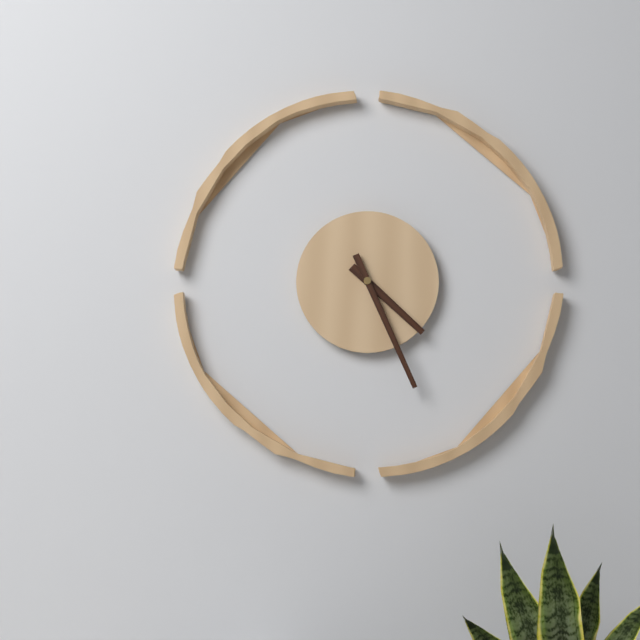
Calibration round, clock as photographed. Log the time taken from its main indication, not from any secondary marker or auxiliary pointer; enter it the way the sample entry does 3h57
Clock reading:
4h26
